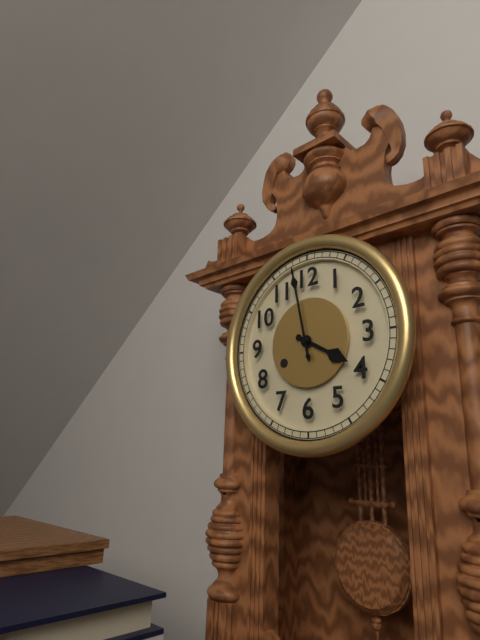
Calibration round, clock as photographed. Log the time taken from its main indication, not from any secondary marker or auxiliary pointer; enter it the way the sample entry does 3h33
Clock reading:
3h58
